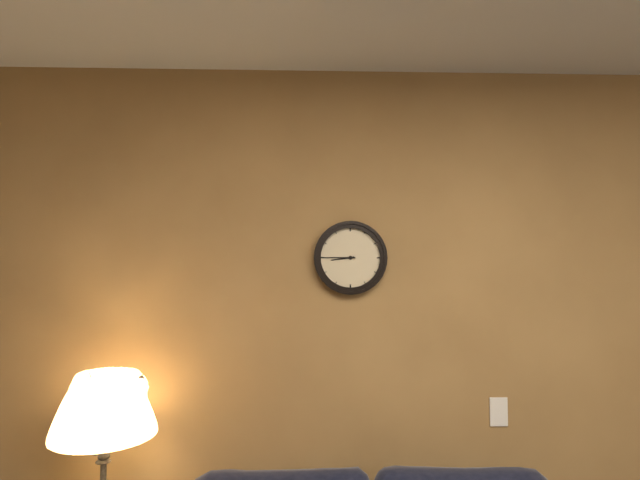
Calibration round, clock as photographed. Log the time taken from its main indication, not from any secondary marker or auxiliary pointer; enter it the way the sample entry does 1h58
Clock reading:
8h45
